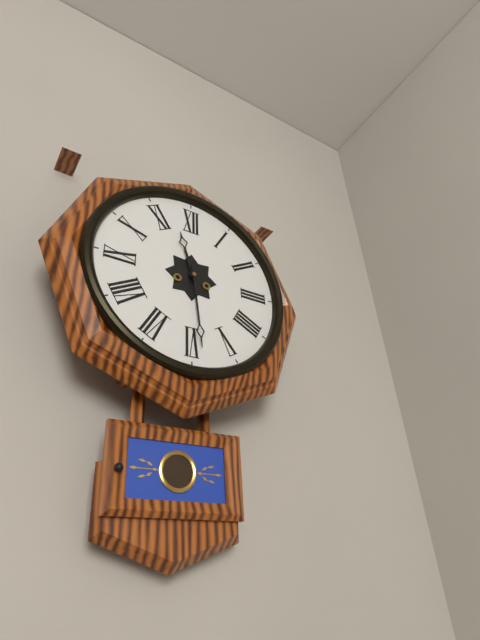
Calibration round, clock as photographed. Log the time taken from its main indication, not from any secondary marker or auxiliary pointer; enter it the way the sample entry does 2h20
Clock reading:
11h29
